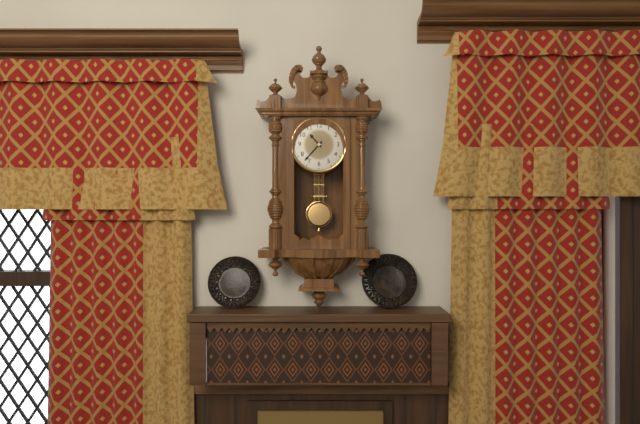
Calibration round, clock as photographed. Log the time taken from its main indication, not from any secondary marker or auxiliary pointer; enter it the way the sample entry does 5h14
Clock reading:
10h37
